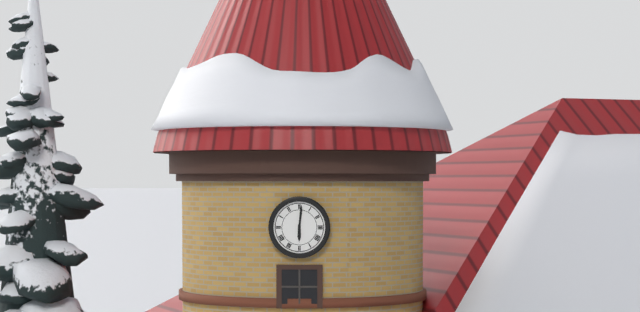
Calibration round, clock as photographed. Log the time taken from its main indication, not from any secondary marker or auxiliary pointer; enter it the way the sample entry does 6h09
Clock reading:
6h01
